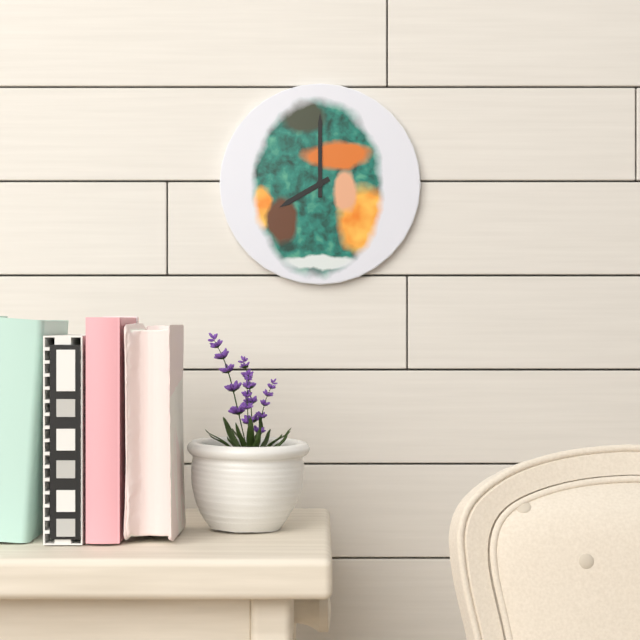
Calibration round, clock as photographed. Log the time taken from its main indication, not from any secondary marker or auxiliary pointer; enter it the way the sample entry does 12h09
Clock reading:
8h00
